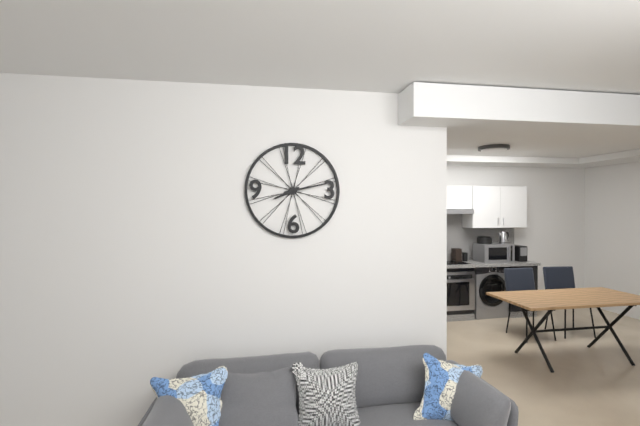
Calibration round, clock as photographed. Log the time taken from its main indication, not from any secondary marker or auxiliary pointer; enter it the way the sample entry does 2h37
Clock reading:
8h13
